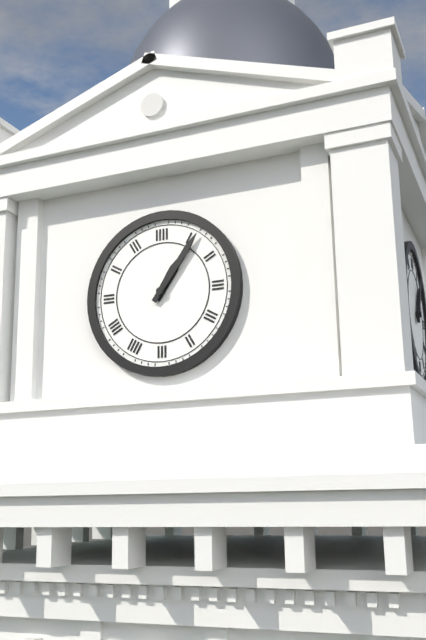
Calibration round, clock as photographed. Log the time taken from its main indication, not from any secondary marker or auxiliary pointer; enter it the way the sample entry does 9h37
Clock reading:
1h06
